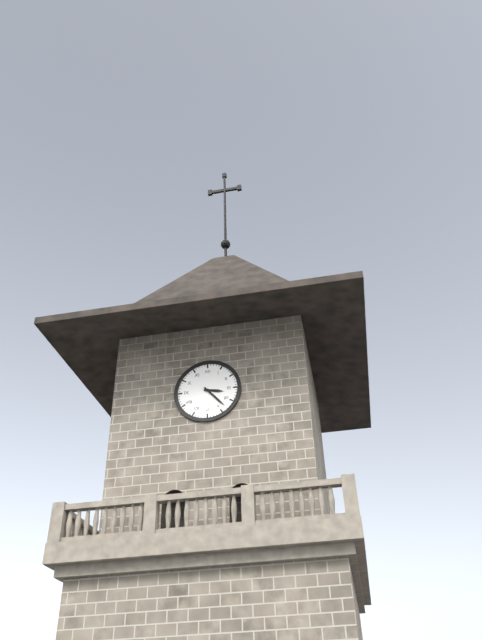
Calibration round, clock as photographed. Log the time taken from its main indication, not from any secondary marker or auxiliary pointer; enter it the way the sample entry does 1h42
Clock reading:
3h23
